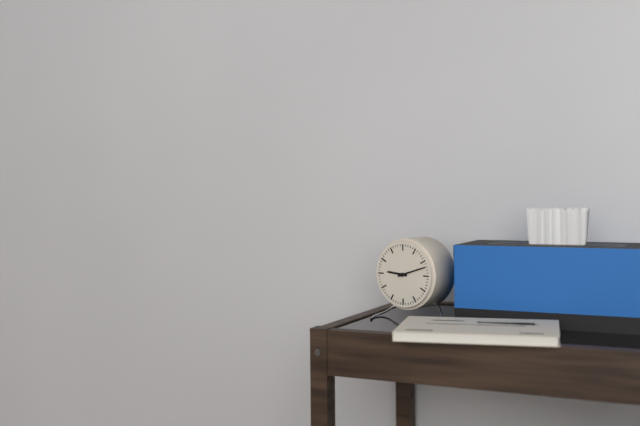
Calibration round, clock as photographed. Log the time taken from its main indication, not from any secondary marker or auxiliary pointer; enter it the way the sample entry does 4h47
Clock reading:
9h12
